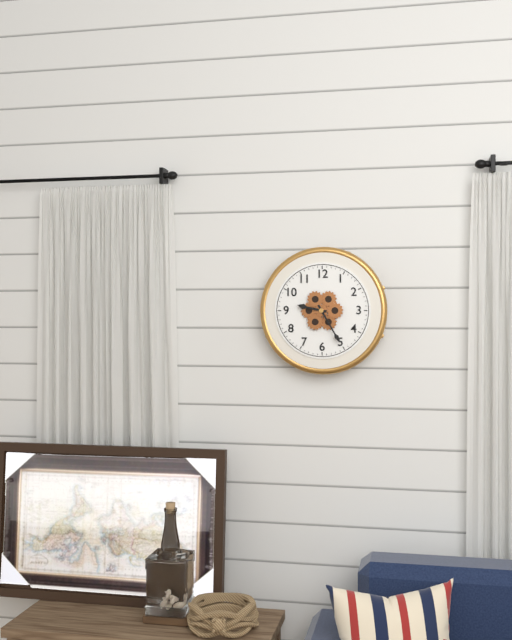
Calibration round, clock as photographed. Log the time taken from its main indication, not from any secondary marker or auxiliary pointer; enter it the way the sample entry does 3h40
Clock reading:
9h25
